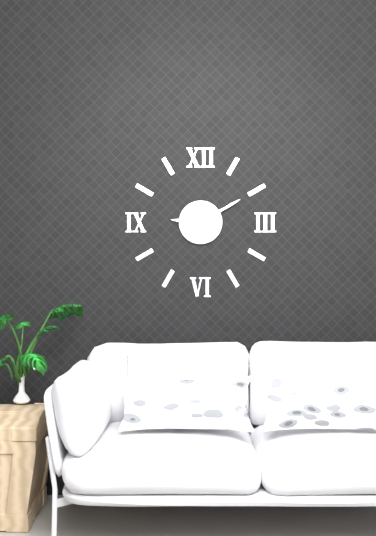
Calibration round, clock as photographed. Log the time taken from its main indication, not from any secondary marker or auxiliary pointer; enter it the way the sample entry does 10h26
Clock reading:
9h10
